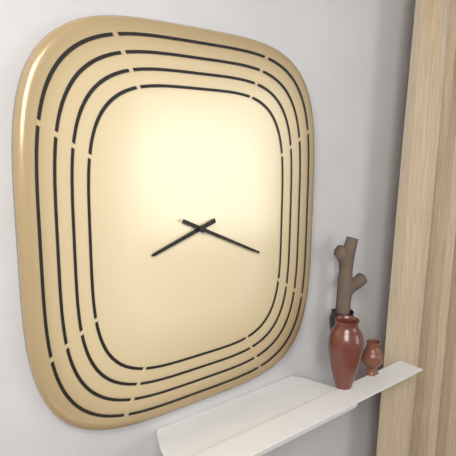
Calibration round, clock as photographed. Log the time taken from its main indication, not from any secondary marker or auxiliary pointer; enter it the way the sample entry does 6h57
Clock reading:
8h19
